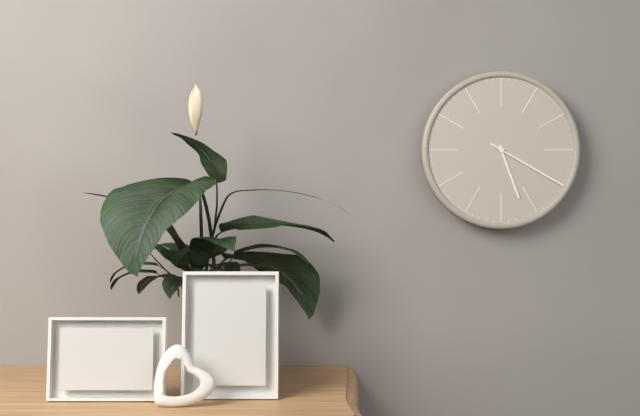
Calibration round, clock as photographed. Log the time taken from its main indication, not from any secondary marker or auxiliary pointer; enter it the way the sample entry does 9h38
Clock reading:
5h20
